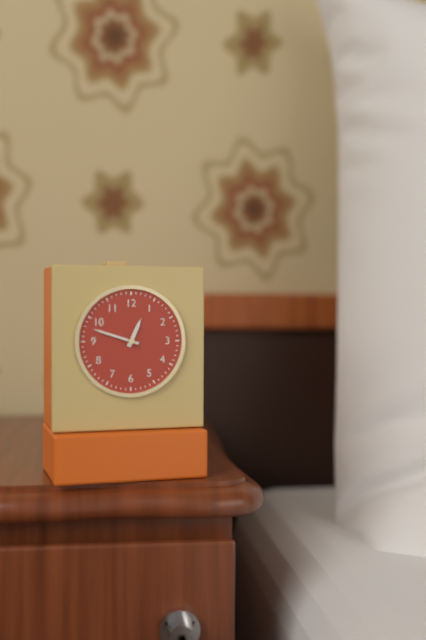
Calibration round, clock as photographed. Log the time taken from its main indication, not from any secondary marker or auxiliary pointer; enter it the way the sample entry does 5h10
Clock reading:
12h48
